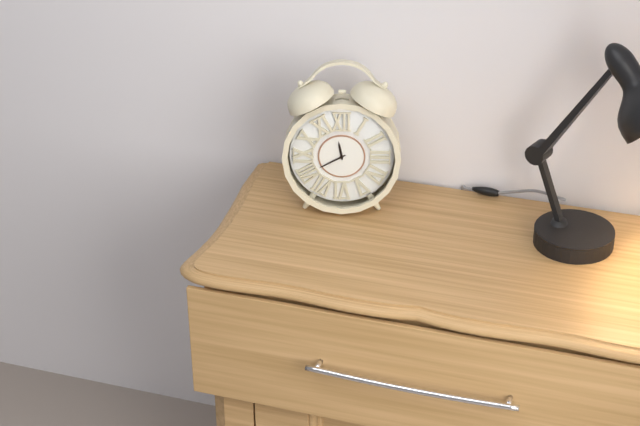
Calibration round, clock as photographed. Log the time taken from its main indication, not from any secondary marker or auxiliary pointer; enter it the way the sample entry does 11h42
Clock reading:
11h40
